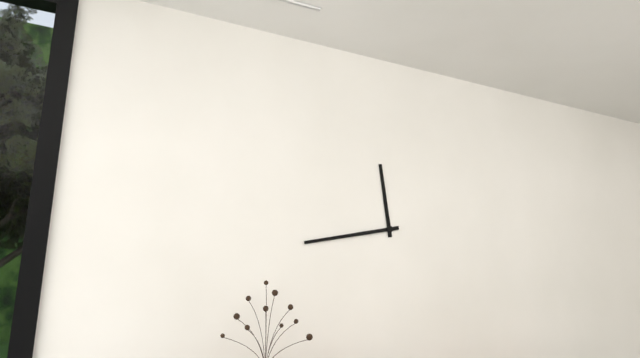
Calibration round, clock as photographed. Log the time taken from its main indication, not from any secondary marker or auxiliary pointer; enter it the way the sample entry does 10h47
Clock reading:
11h43
